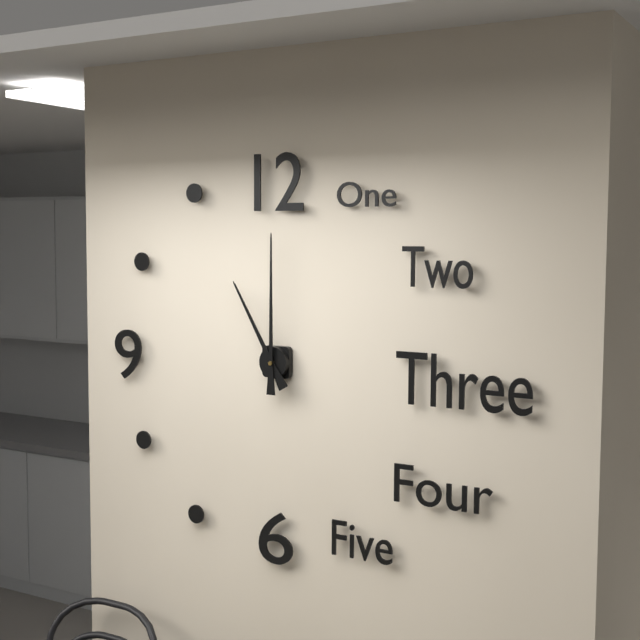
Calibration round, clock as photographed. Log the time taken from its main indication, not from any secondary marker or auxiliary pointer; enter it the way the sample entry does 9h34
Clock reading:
11h00
